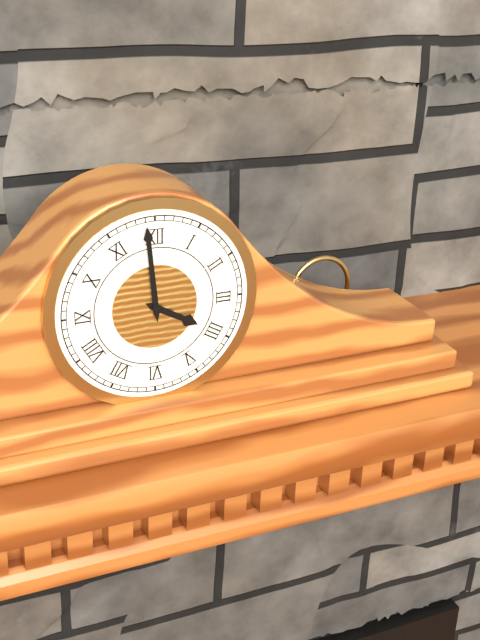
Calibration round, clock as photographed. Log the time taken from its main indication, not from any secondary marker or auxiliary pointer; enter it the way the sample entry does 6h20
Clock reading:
3h59
